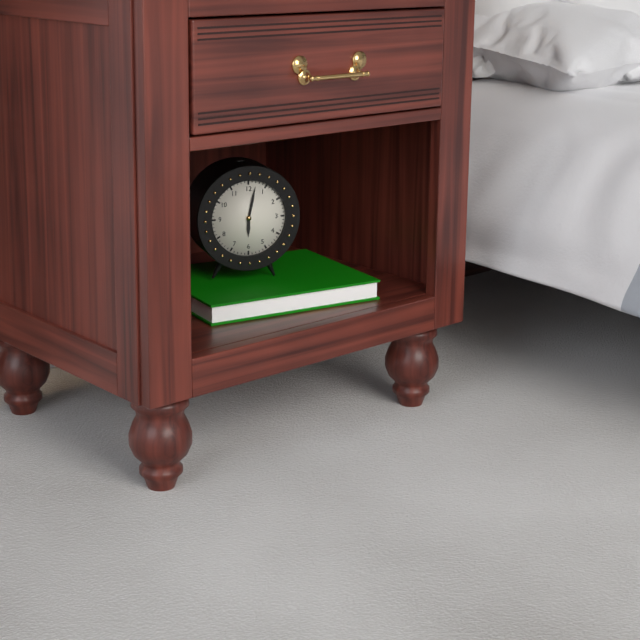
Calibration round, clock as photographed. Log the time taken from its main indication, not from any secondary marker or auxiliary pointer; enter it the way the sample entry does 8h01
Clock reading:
6h02
